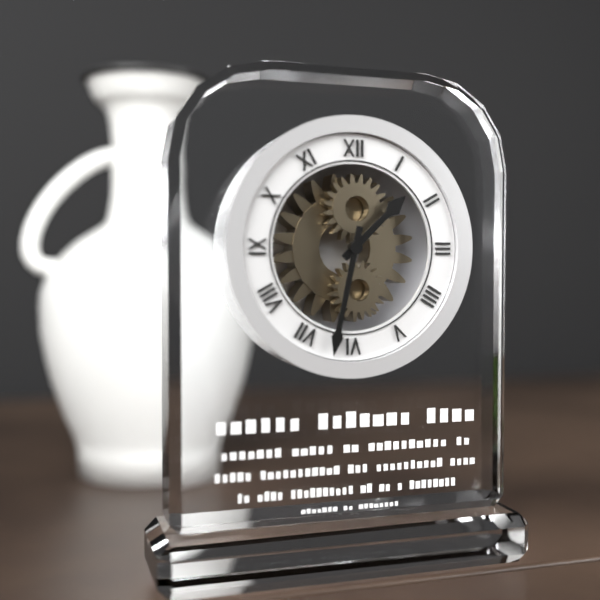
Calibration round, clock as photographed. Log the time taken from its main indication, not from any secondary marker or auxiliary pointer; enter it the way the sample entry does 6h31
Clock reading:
1h32
